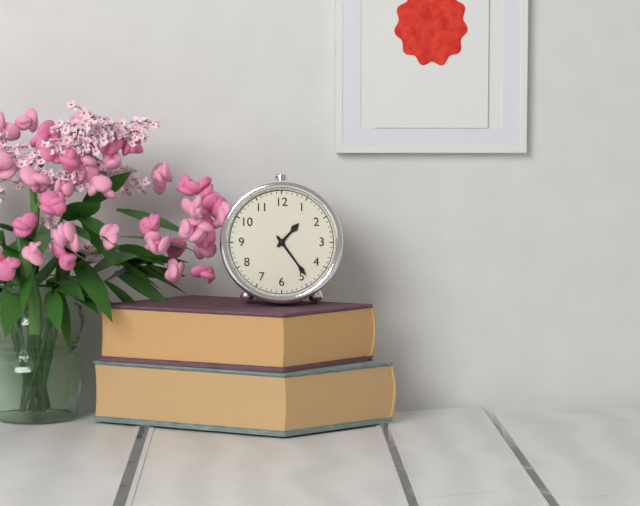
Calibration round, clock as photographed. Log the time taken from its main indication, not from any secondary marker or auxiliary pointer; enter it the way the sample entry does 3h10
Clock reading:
1h24
